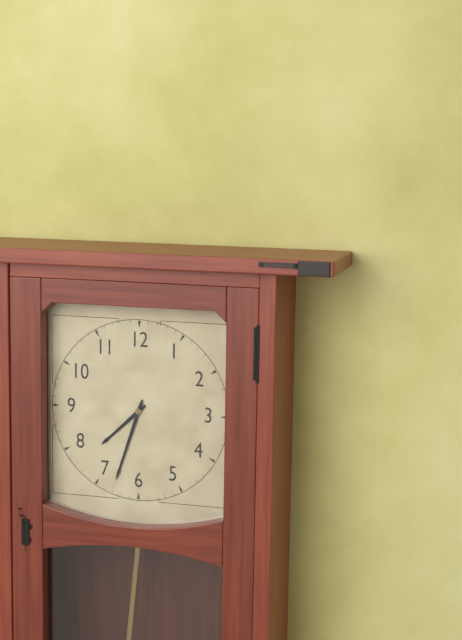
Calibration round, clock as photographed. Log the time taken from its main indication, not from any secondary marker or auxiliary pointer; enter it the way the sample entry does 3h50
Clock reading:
7h33
